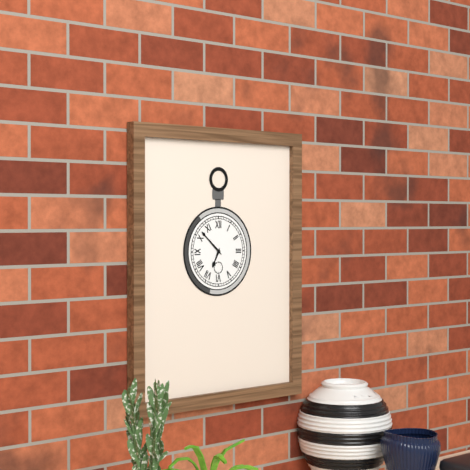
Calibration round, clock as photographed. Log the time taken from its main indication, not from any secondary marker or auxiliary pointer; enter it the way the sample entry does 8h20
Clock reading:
6h52
